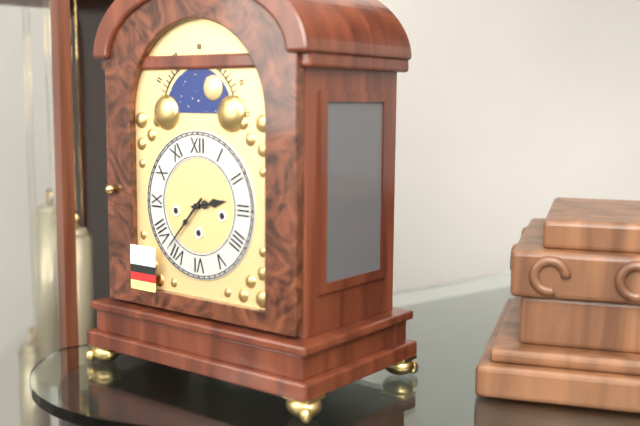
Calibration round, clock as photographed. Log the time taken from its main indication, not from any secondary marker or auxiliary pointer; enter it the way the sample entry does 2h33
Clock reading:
2h37
